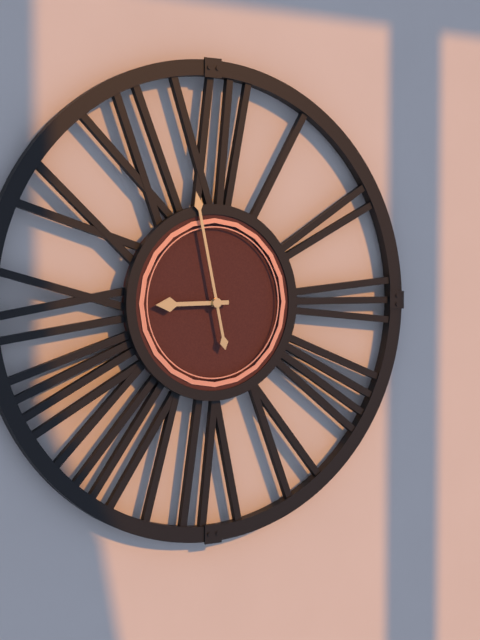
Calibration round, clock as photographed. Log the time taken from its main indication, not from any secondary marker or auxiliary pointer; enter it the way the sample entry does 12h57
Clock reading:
8h58
